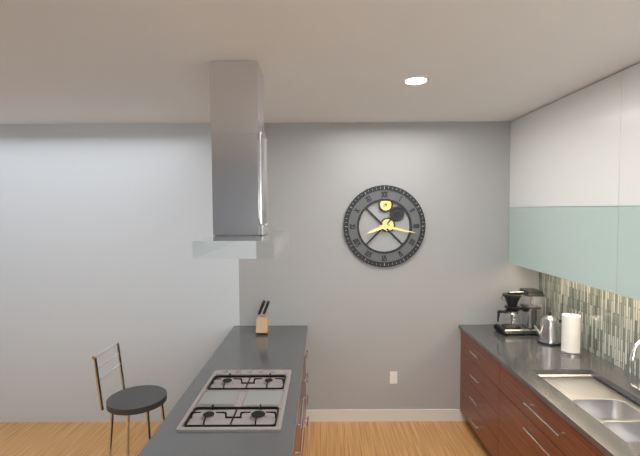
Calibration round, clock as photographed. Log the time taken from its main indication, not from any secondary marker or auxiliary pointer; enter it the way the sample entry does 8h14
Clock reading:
8h17
